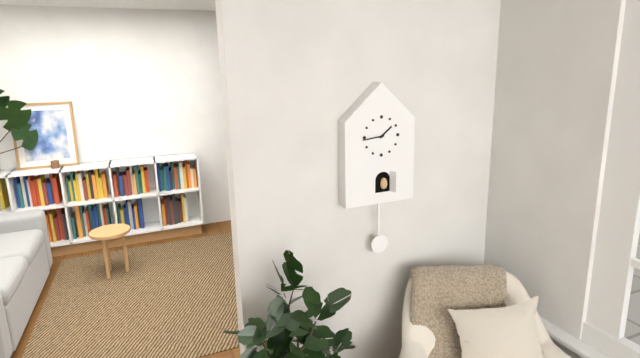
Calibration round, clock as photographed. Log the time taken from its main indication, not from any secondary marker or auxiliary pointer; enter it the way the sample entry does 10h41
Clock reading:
1h44
